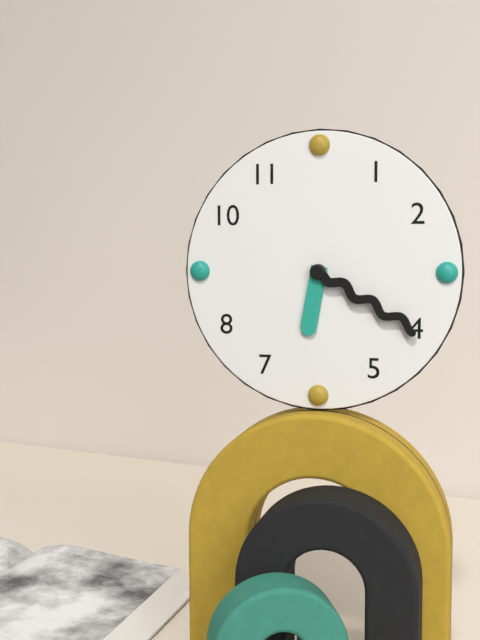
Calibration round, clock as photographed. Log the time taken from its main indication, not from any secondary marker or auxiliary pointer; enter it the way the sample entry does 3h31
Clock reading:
6h20
